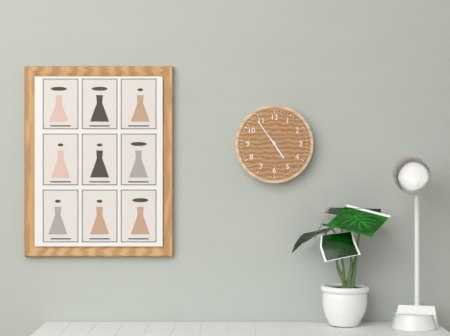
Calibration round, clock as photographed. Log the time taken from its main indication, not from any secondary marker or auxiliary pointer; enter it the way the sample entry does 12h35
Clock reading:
4h54
